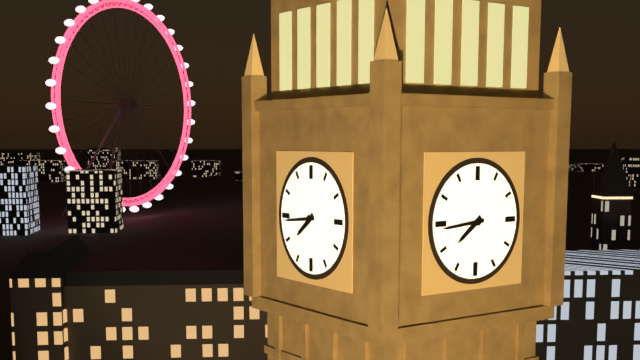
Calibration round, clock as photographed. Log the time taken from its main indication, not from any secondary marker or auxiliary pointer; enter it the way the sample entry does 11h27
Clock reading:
7h44
